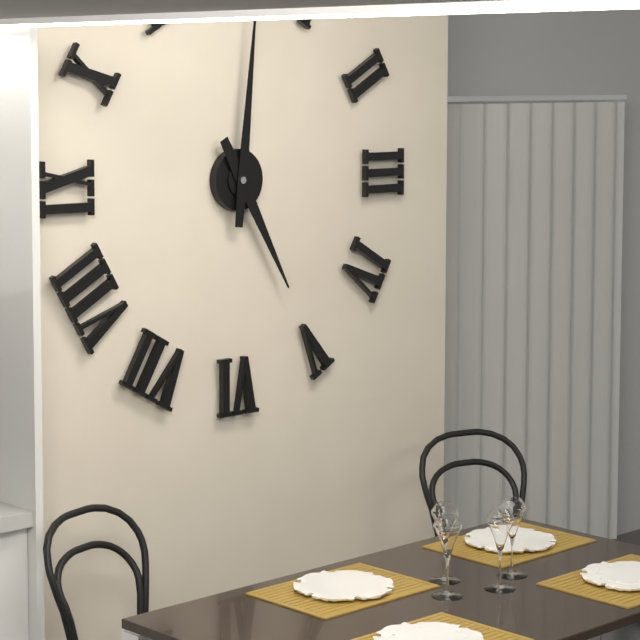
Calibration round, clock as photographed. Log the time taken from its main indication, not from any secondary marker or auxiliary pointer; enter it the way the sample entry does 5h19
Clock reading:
5h01
